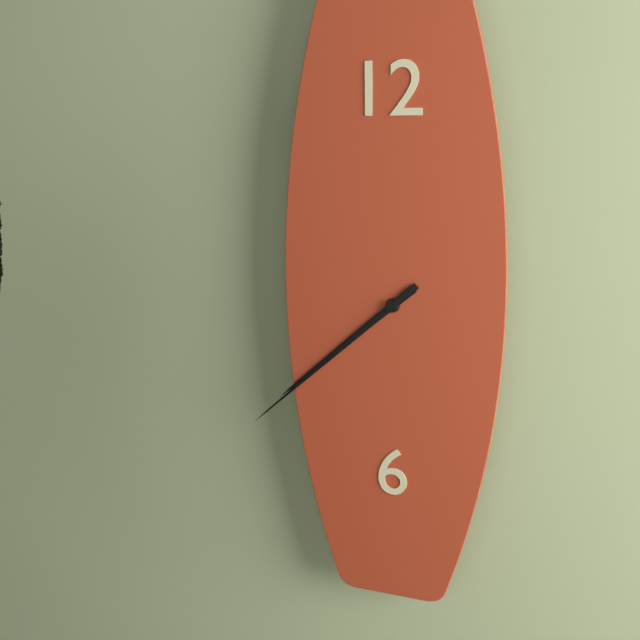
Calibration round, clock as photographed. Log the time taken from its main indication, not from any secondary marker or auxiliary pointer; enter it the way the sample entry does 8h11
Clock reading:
7h38
